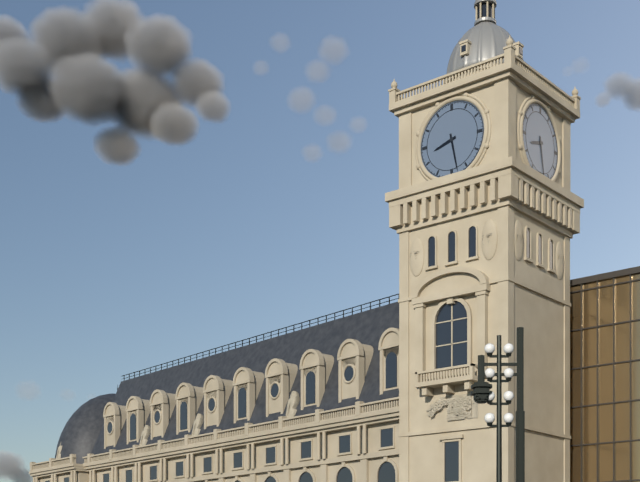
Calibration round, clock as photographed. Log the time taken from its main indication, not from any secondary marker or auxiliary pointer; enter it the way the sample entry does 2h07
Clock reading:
8h28
